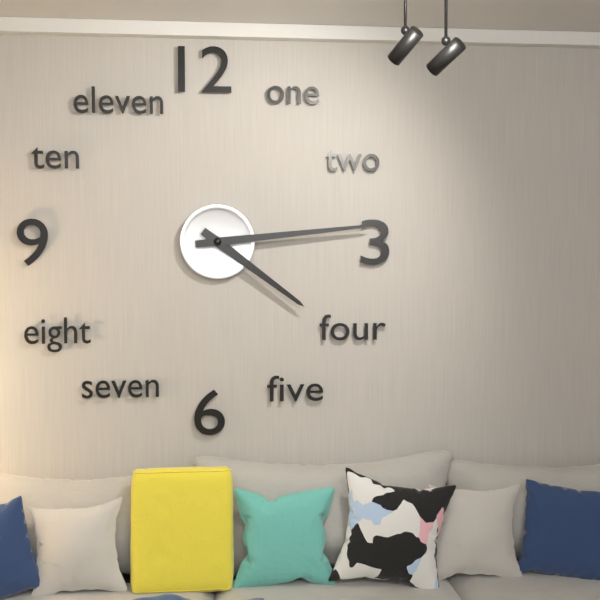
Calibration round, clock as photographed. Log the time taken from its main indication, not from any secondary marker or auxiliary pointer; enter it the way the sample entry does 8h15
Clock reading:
4h14
